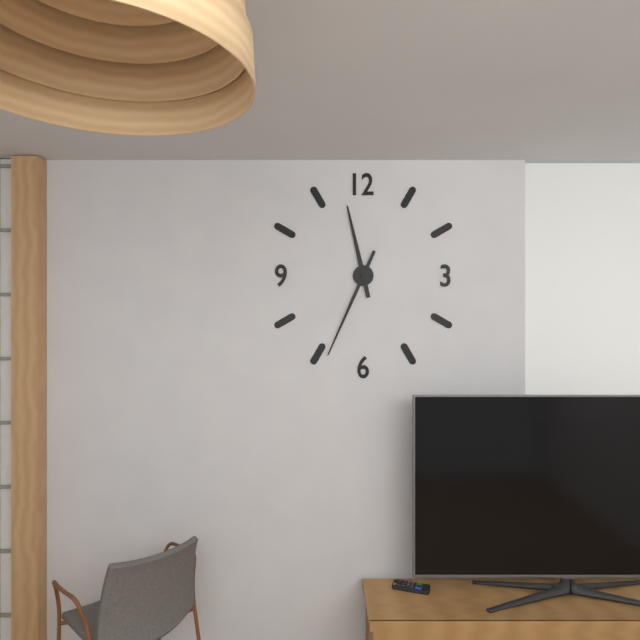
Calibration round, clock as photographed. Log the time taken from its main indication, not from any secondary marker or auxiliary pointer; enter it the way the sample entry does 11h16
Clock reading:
11h34
